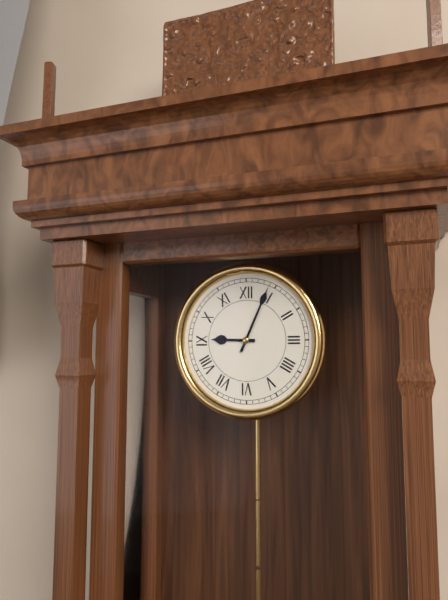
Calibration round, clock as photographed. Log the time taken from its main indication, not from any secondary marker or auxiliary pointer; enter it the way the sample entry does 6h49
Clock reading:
9h04
